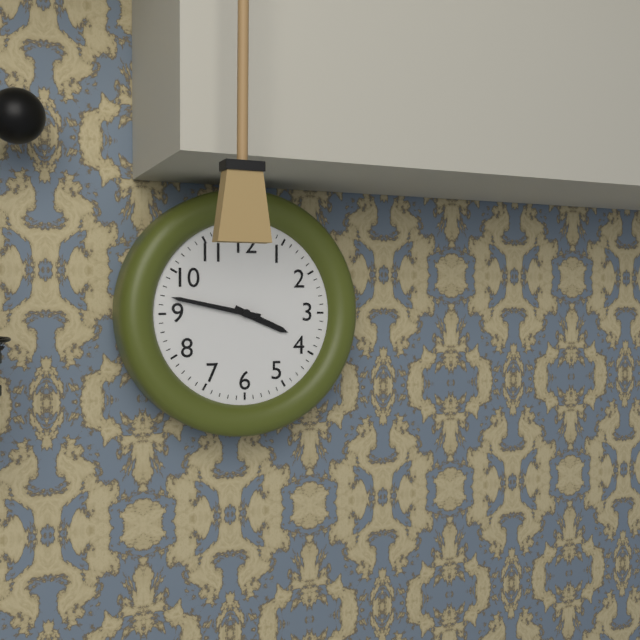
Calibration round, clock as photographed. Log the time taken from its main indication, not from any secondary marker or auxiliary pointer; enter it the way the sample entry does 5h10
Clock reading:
3h47
